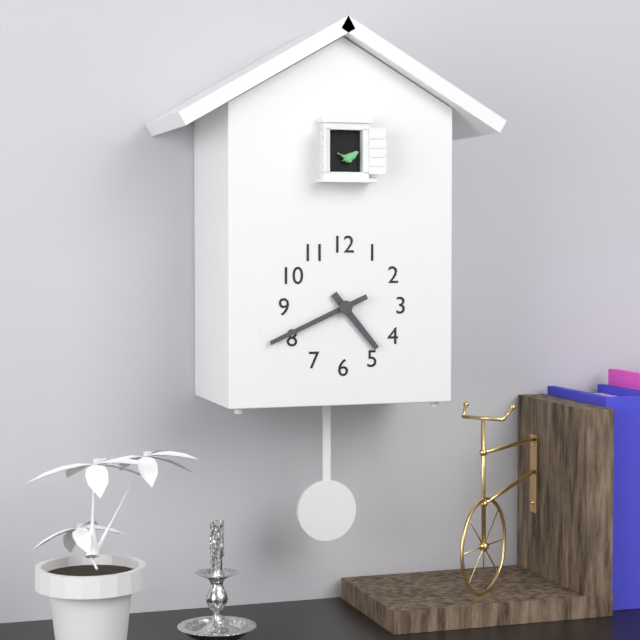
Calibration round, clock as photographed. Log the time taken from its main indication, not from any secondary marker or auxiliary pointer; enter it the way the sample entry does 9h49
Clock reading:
4h41
